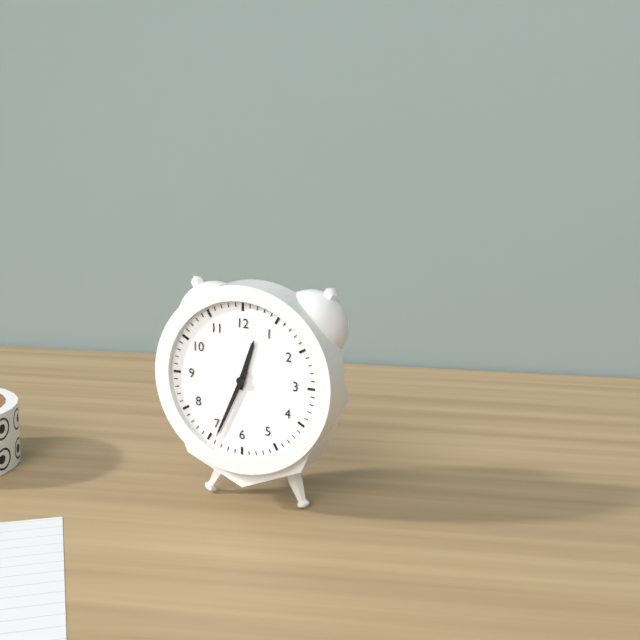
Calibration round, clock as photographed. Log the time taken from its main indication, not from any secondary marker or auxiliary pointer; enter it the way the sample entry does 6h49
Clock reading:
12h34
